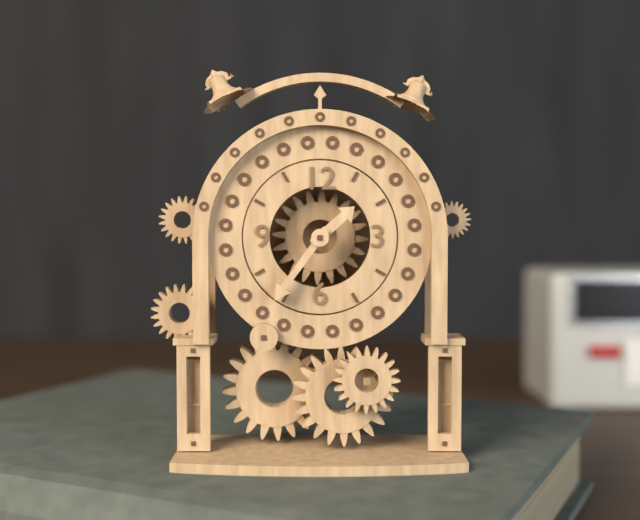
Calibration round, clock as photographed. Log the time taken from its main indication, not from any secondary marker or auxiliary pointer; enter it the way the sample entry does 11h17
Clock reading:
1h36
